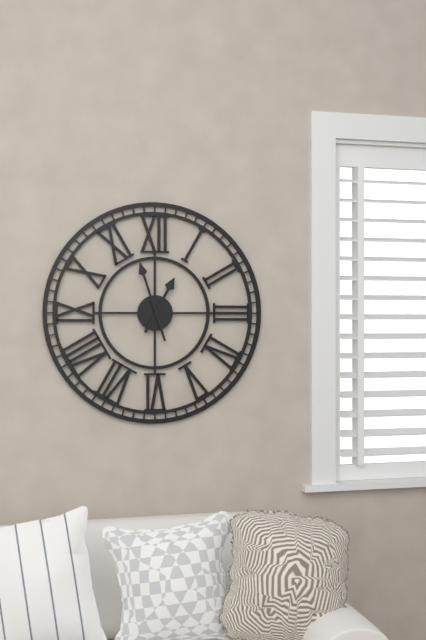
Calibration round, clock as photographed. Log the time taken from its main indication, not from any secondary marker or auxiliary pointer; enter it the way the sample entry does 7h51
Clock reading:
12h57
